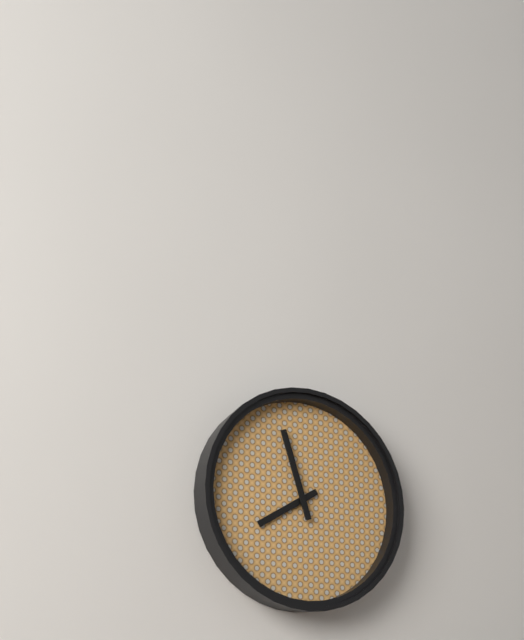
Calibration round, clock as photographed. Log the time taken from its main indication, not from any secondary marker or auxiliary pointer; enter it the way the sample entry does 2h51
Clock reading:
7h57
